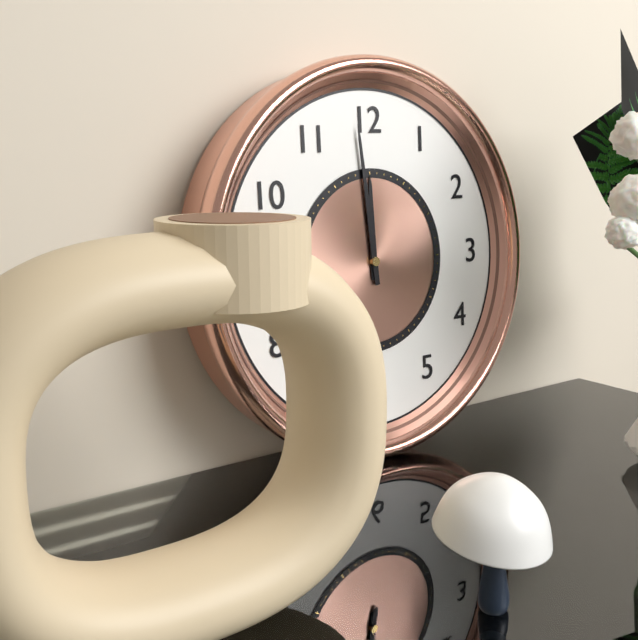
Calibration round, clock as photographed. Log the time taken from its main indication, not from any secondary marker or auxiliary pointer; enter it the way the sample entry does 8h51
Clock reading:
11h59
